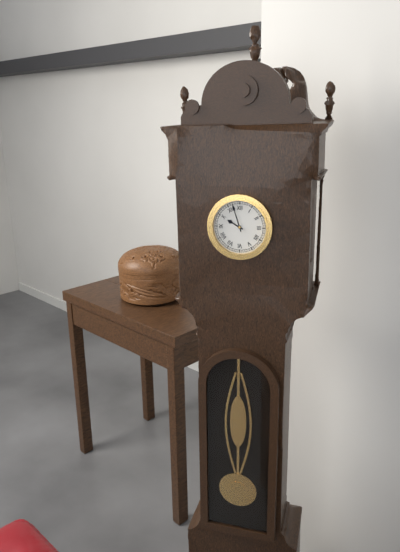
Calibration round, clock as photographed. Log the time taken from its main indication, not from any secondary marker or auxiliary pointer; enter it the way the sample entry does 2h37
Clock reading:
9h57
